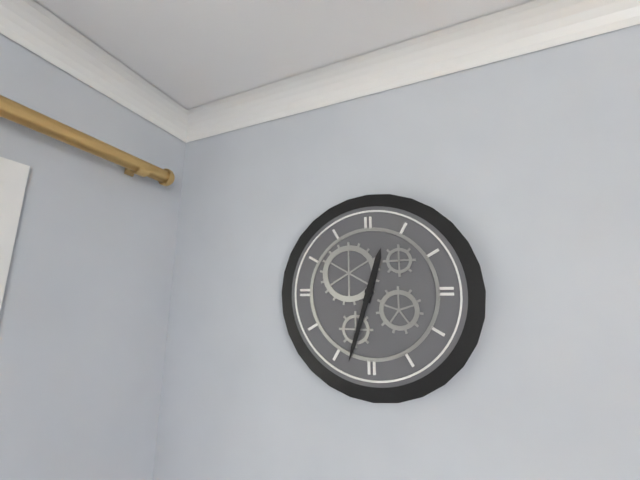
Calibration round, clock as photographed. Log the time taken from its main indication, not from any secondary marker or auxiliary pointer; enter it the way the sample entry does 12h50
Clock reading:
12h33
